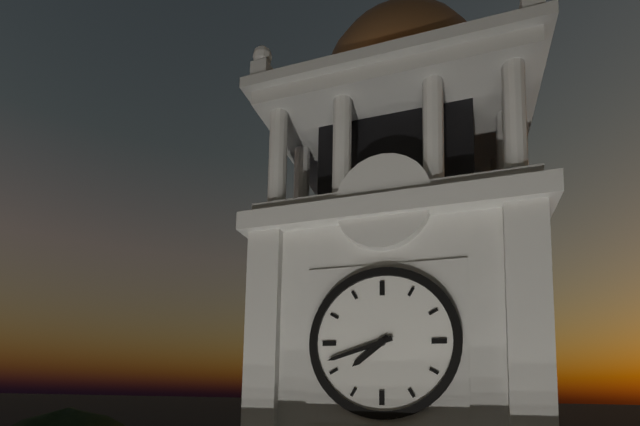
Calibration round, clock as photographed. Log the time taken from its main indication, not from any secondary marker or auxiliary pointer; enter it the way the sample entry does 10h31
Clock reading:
7h42
